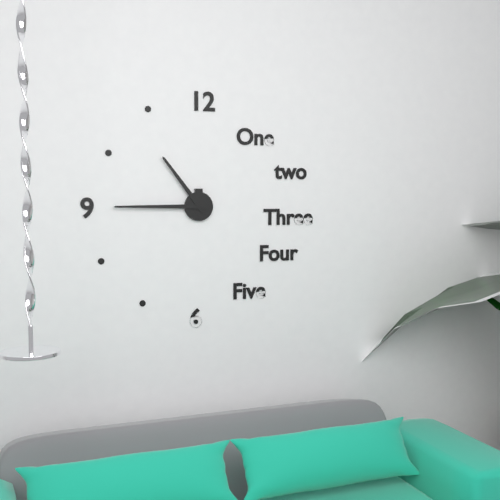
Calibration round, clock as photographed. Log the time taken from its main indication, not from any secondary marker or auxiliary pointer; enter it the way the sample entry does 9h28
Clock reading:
10h45
